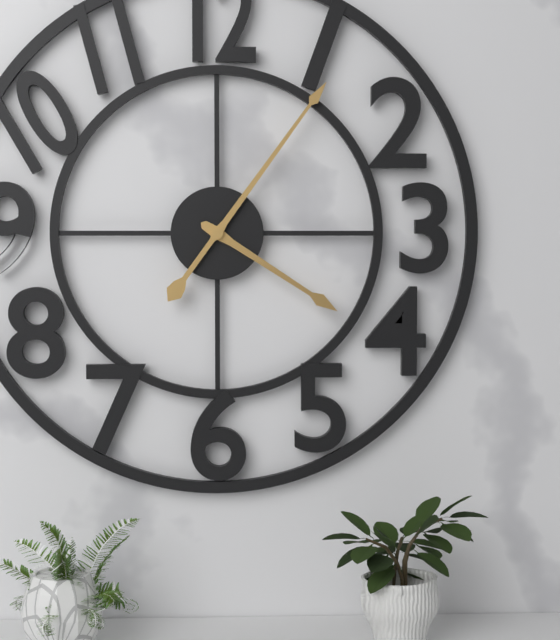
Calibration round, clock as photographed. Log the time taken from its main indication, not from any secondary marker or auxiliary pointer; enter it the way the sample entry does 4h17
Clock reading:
4h06
